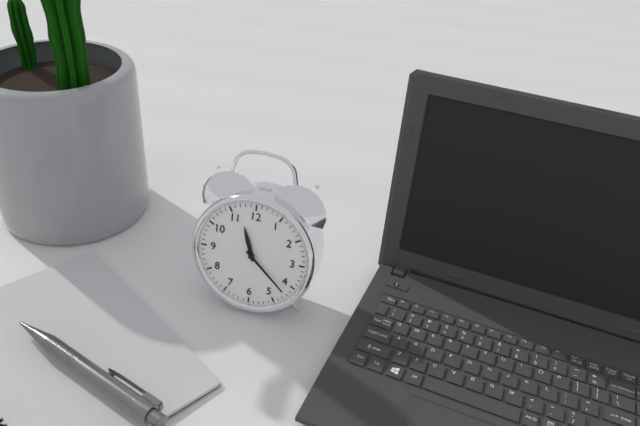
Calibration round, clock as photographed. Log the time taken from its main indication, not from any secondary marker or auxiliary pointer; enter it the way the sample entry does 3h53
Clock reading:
11h22
